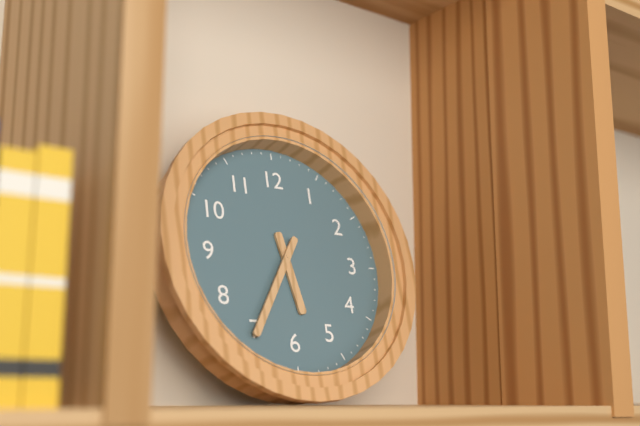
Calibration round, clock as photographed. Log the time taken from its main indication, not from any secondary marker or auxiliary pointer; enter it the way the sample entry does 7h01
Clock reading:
5h35
